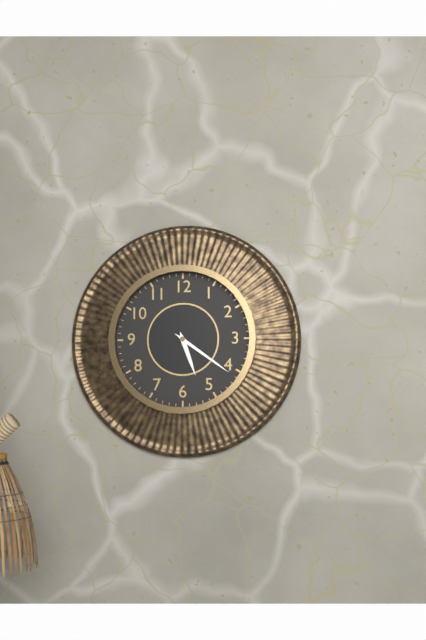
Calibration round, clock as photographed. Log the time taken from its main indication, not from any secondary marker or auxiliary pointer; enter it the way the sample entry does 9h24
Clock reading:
5h21
